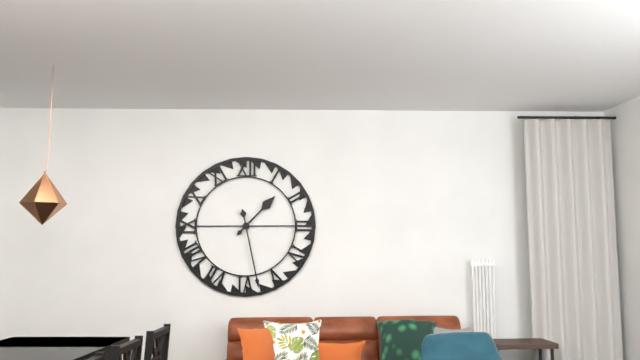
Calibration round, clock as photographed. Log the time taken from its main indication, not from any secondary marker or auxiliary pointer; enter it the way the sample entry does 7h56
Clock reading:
1h28
